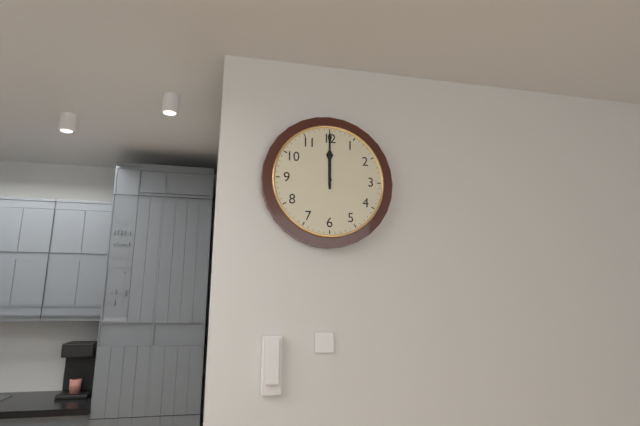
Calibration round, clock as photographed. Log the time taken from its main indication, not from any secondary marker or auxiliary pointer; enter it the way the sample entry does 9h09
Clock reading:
12h00
